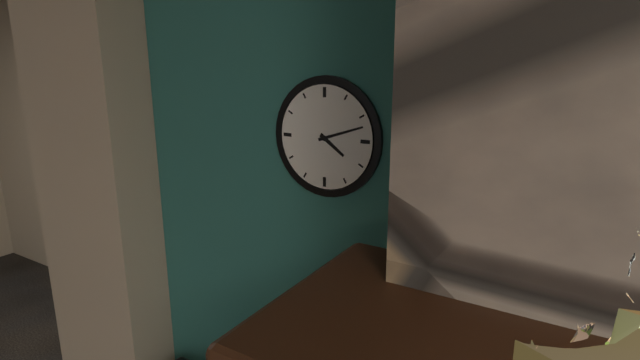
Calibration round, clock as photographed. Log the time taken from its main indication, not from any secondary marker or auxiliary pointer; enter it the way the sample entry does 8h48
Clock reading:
4h12
